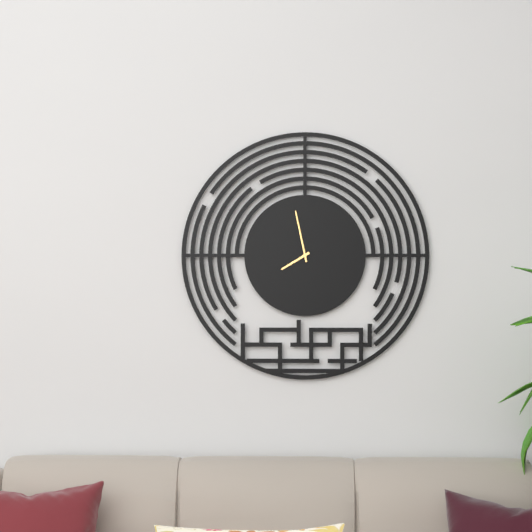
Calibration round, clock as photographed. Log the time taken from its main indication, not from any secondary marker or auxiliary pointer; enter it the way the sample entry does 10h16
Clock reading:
7h58
